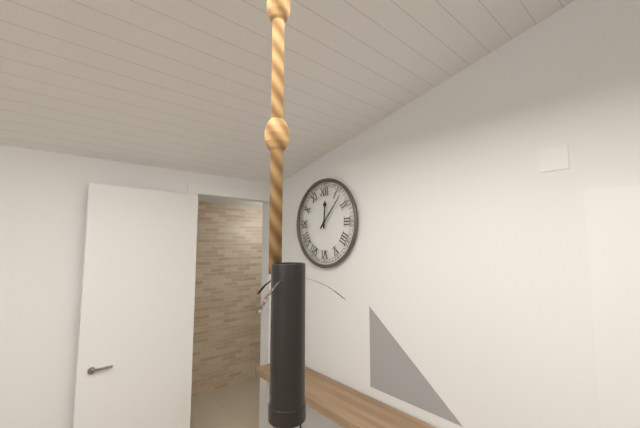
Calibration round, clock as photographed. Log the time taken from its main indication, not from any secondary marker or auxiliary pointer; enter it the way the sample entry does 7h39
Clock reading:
12h07
